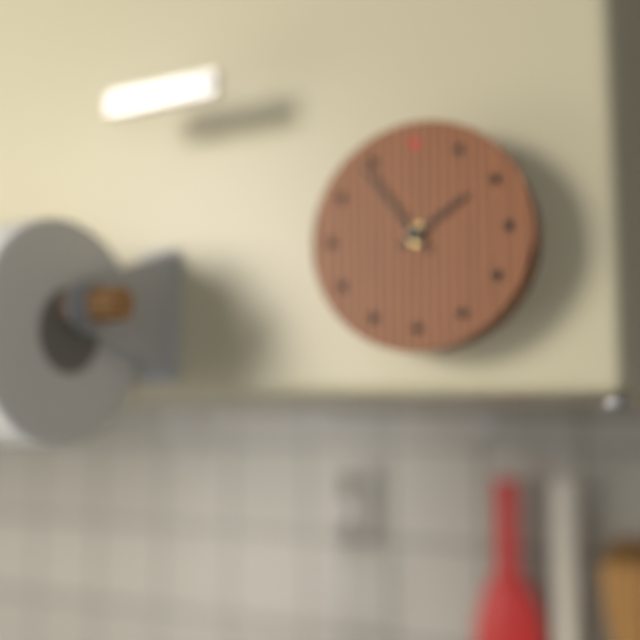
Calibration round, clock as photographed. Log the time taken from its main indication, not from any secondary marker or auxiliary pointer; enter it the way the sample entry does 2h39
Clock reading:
1h54
